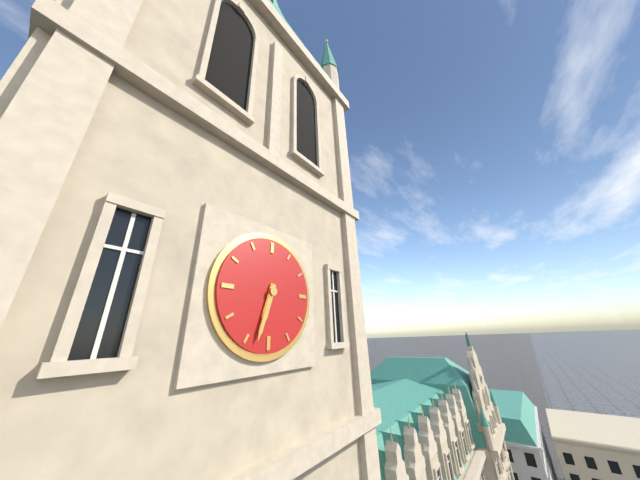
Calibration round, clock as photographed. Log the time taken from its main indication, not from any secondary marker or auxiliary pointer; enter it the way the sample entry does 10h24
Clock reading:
6h33
